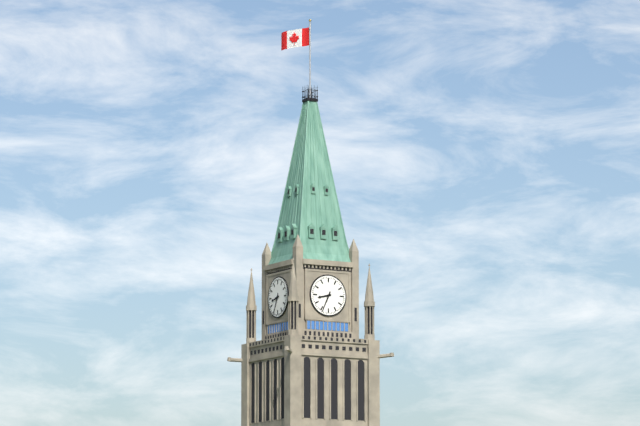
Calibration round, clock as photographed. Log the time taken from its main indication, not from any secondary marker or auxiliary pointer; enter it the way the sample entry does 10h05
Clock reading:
8h34
